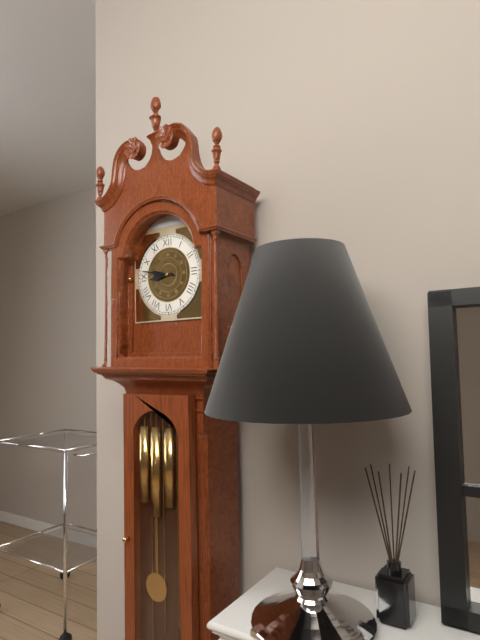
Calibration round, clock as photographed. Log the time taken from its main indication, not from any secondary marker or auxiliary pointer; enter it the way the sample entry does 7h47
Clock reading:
8h47
